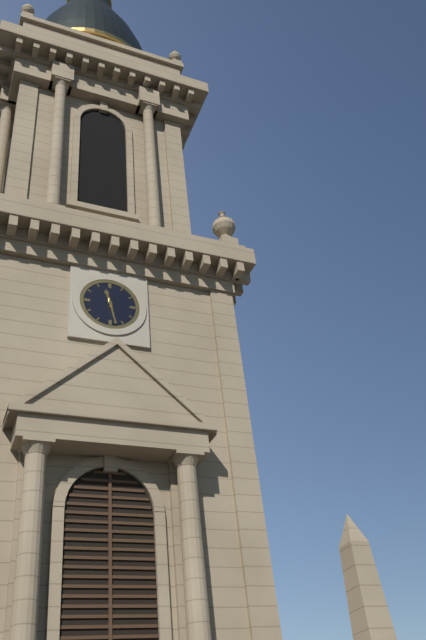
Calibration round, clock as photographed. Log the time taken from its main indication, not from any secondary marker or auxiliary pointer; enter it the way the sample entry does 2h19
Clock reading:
11h28
